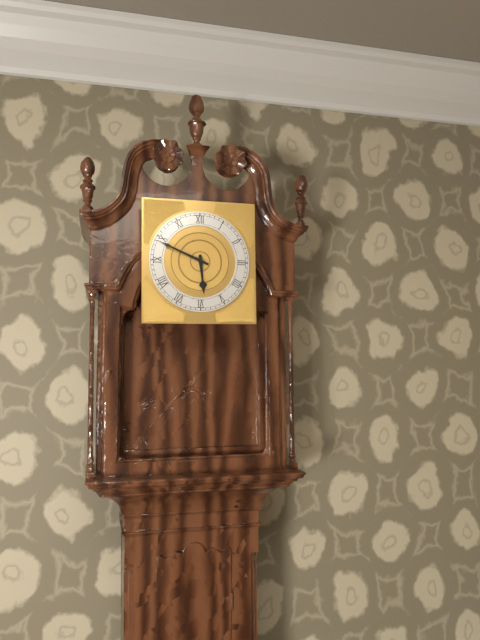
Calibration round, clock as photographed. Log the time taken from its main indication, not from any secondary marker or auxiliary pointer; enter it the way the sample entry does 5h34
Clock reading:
5h49
